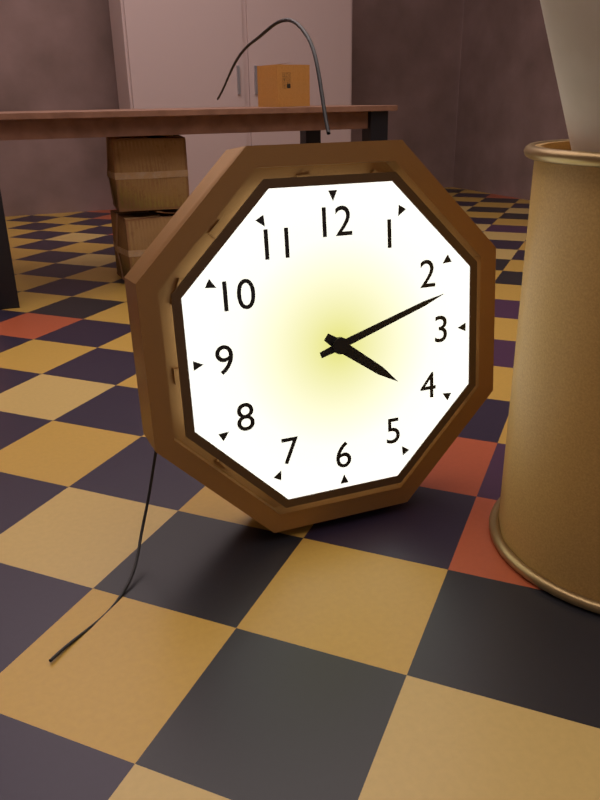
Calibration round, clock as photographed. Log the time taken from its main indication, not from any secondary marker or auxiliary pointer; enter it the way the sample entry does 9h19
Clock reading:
4h12
